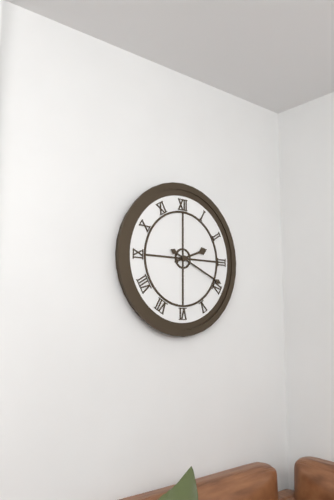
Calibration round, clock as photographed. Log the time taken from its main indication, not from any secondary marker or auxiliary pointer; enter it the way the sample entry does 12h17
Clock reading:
2h19
